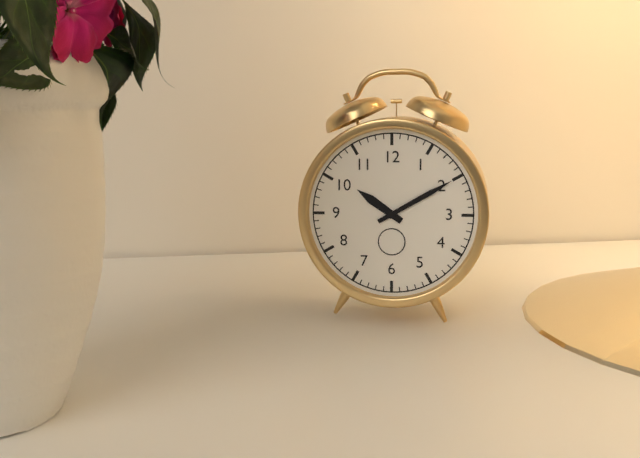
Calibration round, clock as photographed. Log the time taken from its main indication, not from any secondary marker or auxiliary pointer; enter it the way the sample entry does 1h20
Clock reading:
10h10
